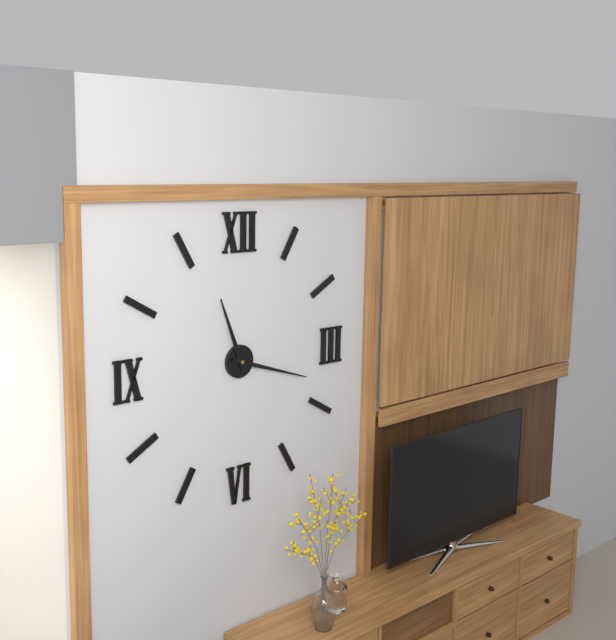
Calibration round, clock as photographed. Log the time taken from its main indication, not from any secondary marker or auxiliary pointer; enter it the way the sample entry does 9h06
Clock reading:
11h18
